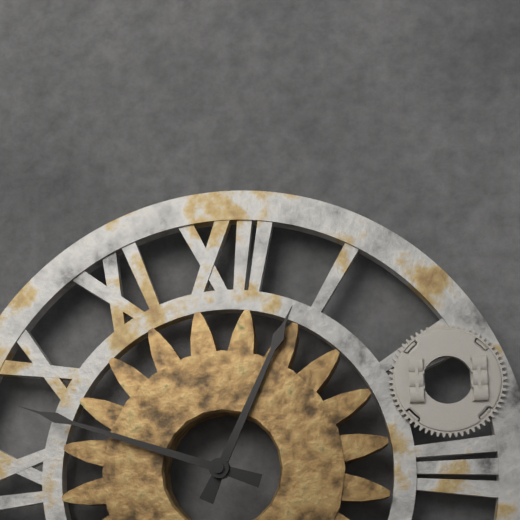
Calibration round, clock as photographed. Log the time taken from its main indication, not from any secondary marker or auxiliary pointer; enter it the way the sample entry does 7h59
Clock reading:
12h48
